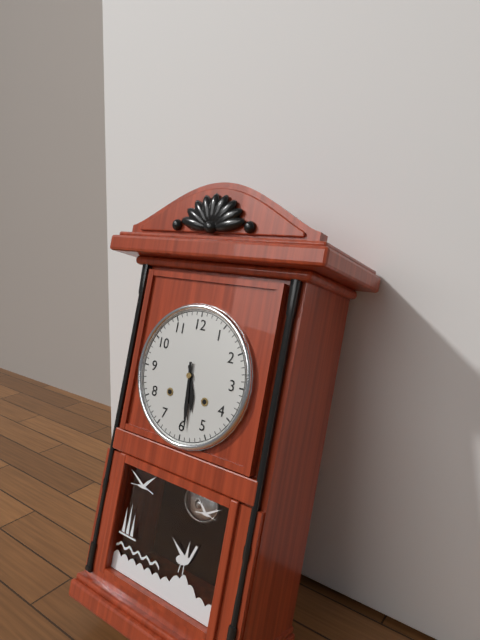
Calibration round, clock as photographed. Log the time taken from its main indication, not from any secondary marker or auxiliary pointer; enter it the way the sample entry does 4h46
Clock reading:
5h29
